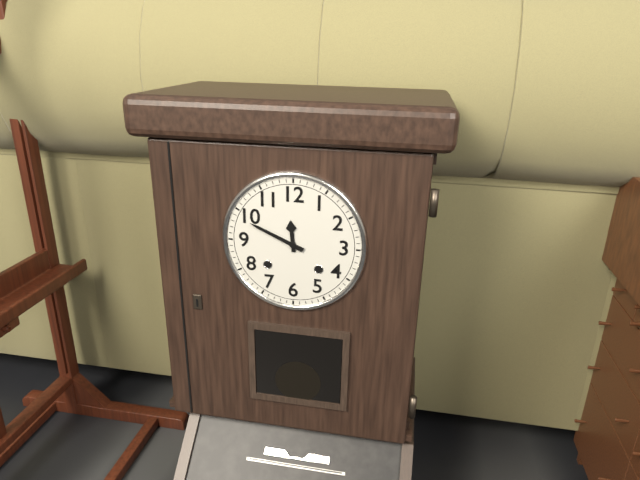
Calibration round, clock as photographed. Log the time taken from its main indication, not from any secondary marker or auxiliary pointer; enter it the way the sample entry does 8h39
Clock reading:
11h49
